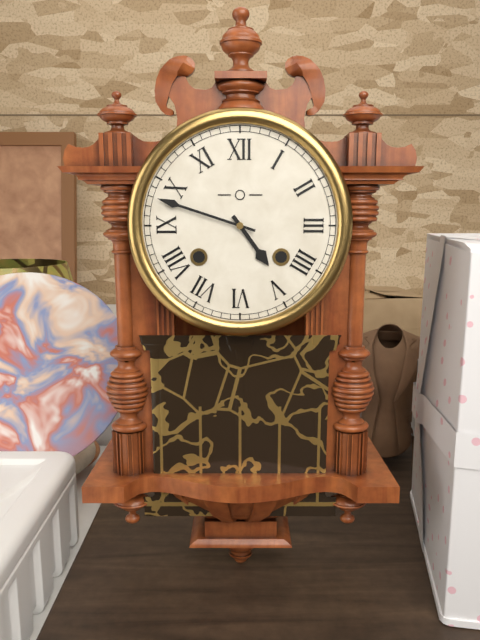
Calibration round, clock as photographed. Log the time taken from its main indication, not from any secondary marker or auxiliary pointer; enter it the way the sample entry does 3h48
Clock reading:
4h48
